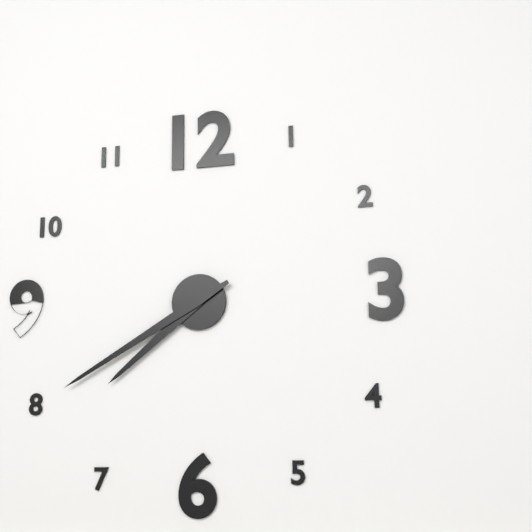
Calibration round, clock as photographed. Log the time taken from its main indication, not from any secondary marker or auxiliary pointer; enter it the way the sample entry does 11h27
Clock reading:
7h40
